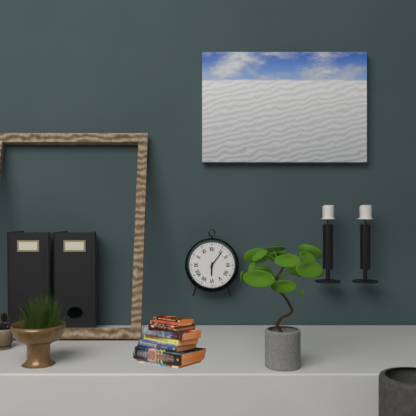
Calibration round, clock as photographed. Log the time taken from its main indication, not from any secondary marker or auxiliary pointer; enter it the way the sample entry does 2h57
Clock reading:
6h06
